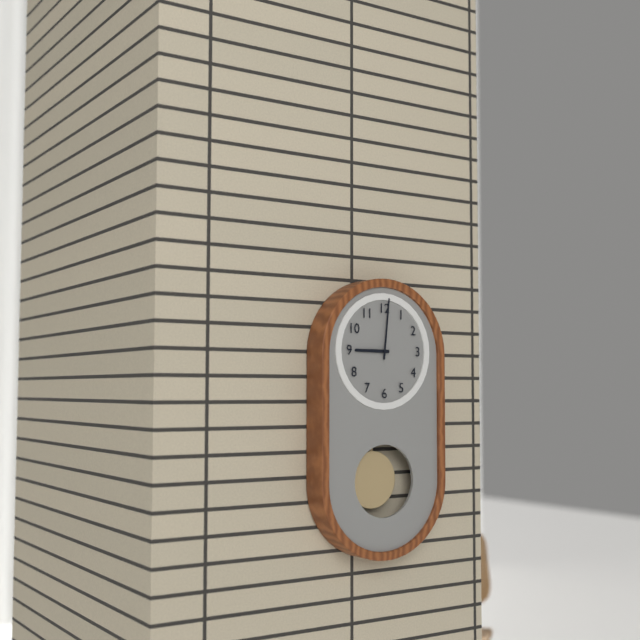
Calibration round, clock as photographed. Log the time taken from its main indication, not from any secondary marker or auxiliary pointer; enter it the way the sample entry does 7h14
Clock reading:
9h01
